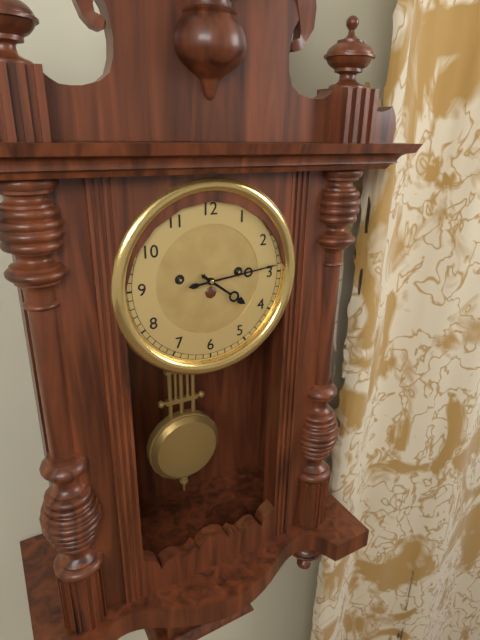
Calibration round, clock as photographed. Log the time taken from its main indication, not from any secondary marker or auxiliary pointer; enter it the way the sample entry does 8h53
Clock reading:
4h14
